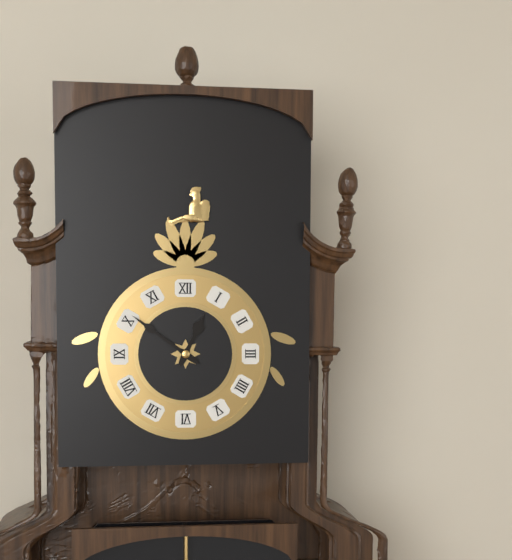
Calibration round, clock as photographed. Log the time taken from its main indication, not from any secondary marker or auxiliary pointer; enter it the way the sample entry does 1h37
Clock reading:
12h51
